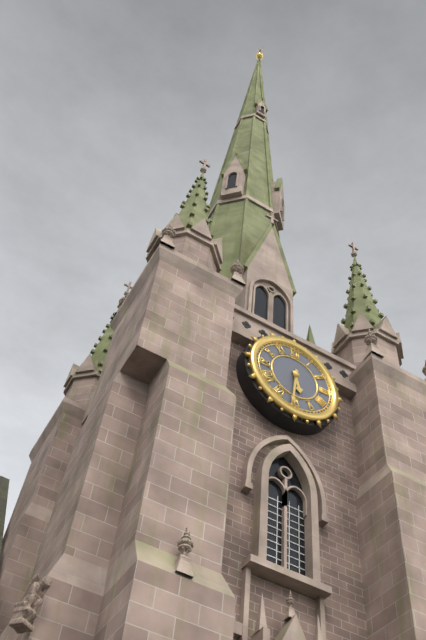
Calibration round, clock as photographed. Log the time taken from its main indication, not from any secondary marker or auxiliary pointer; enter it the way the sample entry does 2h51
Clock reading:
5h31
